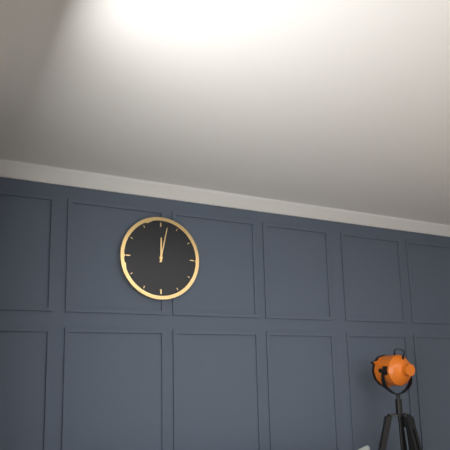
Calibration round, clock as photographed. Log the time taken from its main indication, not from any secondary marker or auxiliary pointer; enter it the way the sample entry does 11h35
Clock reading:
12h02
